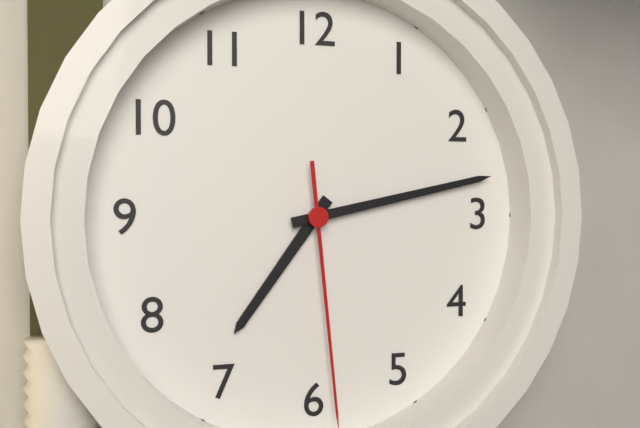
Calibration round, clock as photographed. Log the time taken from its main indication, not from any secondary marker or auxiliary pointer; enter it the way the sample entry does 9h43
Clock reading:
7h13
